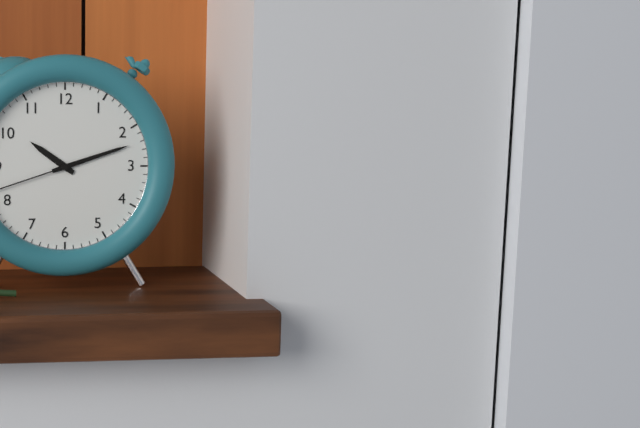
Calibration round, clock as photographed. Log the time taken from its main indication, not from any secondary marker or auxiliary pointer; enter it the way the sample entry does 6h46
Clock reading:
10h12
